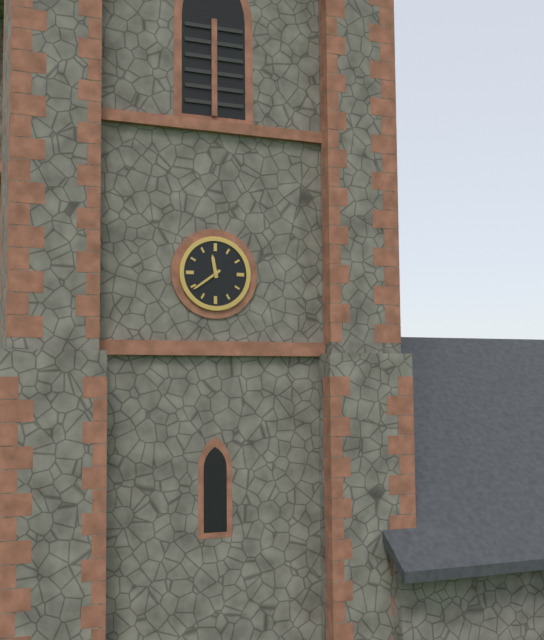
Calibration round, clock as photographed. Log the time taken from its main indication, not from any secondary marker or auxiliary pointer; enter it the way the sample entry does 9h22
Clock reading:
11h39
